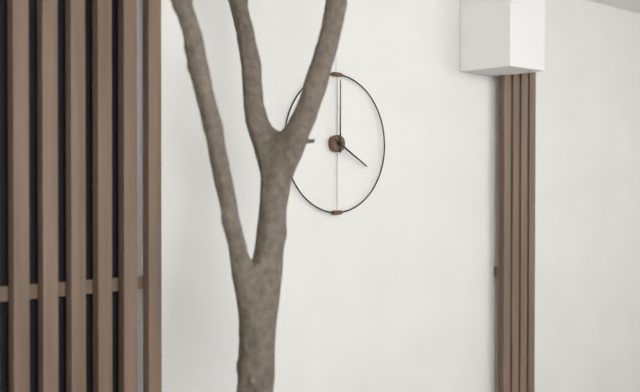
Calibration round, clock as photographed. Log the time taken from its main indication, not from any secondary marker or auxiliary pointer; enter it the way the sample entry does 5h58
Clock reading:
4h00
